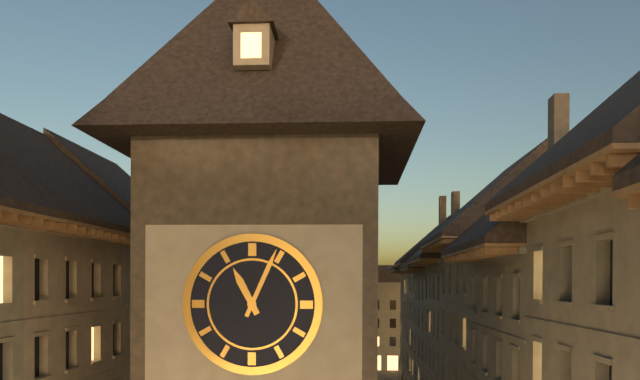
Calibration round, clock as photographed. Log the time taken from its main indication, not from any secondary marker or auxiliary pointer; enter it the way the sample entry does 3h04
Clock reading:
11h04
